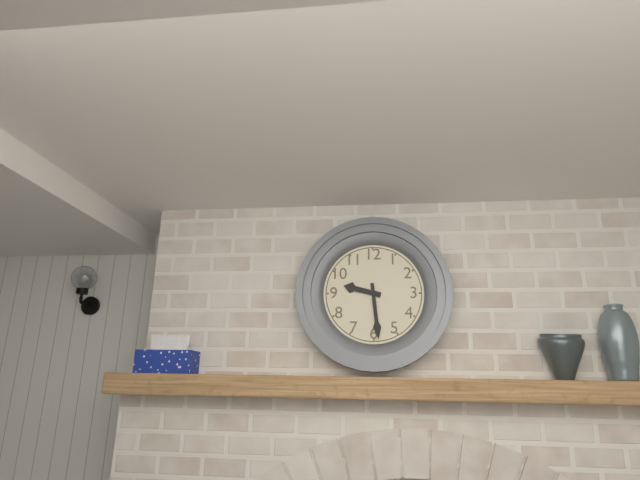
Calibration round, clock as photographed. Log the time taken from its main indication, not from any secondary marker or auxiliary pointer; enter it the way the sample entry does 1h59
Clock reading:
9h29
